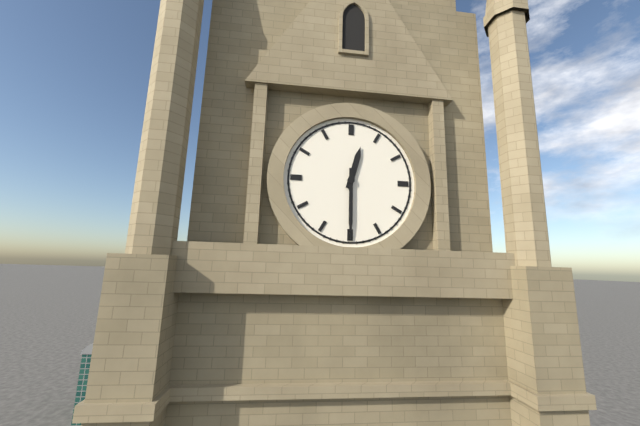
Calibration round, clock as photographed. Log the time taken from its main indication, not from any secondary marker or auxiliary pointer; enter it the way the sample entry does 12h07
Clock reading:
12h30
